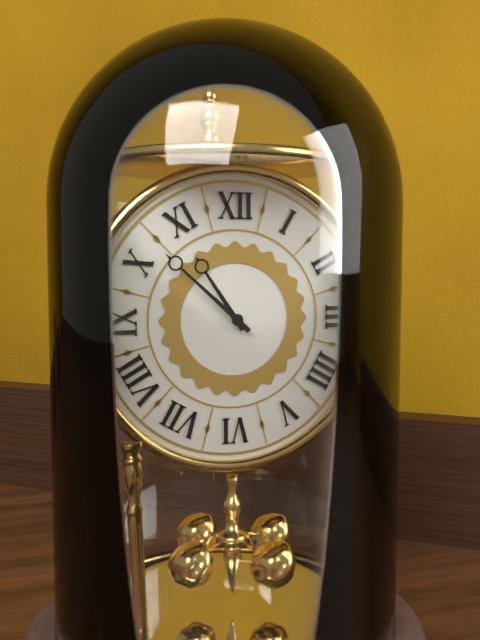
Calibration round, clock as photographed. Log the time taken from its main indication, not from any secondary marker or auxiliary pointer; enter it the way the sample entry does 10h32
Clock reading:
10h52
